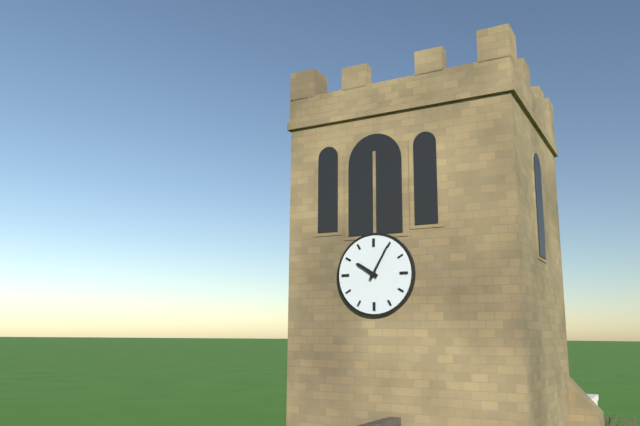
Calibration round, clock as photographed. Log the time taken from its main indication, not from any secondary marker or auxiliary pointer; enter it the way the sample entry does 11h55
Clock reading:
10h05
